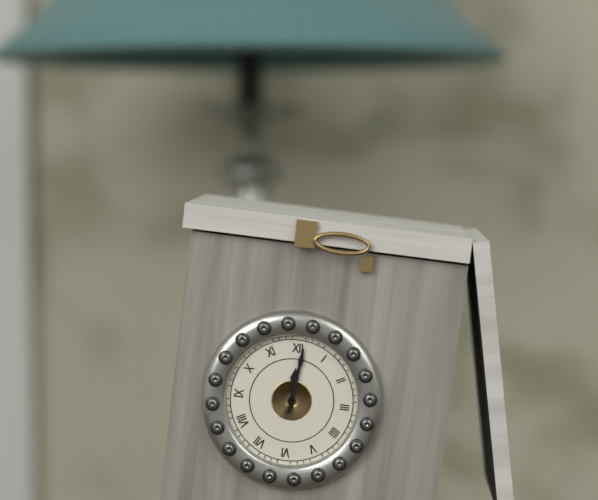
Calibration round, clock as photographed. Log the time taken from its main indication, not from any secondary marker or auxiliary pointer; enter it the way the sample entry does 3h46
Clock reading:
12h01
